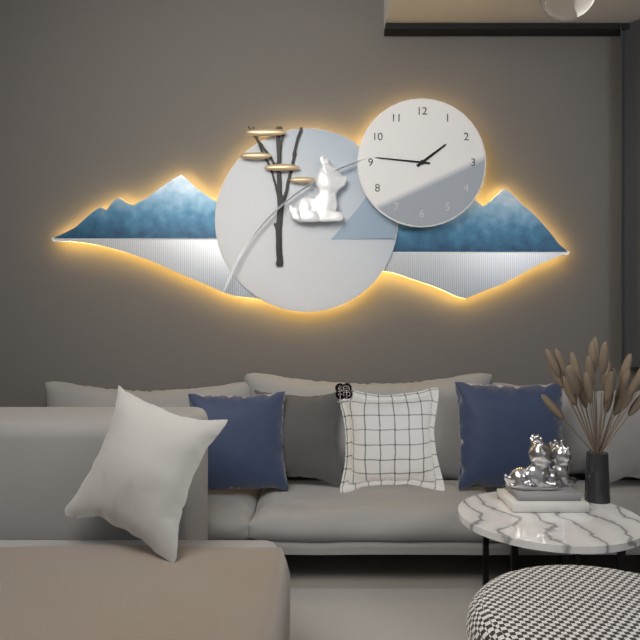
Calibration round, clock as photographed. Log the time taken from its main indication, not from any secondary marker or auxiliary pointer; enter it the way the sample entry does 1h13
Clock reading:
1h46
